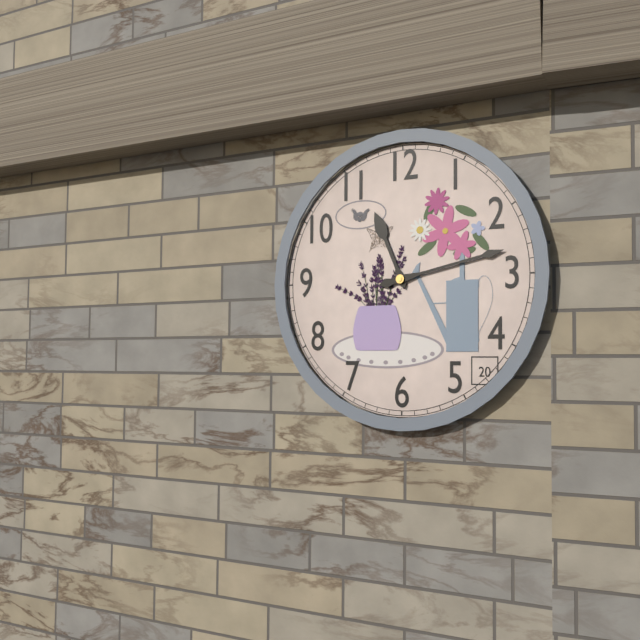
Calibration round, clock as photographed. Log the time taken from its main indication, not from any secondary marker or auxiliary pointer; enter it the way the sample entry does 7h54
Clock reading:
11h13
